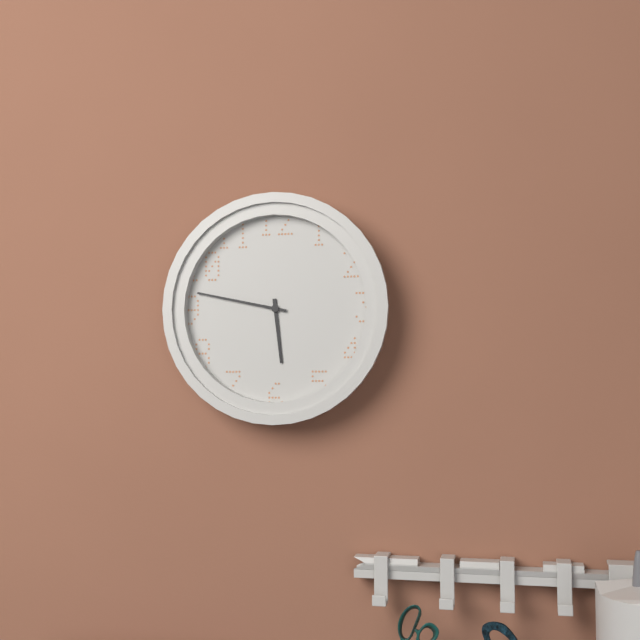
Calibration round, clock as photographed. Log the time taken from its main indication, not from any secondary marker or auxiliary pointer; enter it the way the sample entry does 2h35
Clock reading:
5h47
